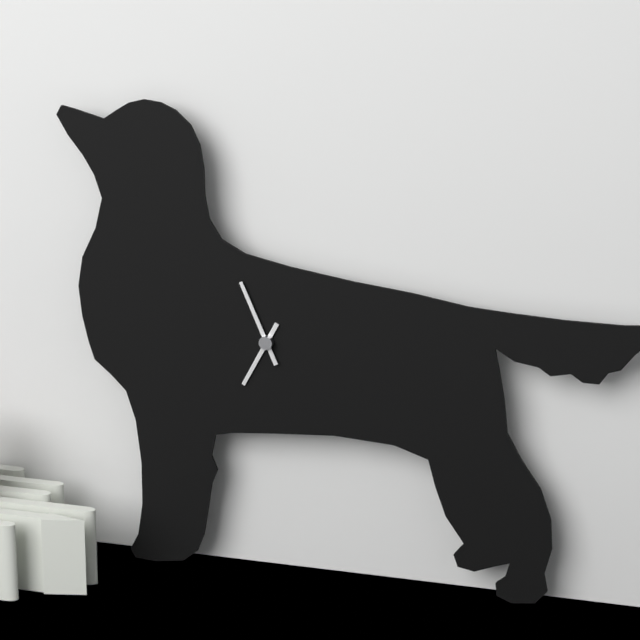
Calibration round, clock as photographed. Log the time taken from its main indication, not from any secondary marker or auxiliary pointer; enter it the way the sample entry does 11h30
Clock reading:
6h56
